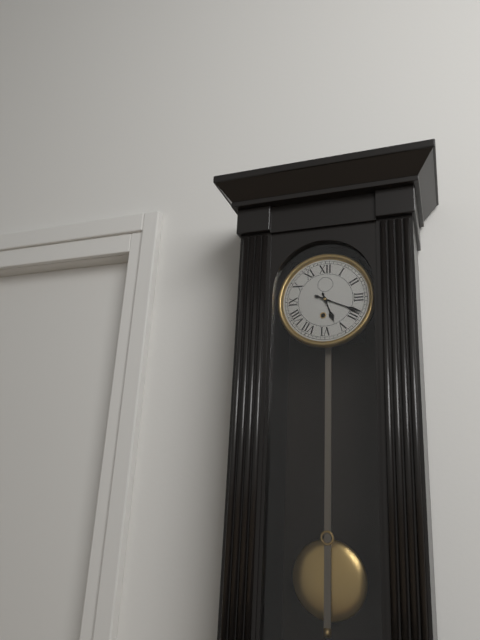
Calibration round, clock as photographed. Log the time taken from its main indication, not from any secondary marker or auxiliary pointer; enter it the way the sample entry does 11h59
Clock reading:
5h19
